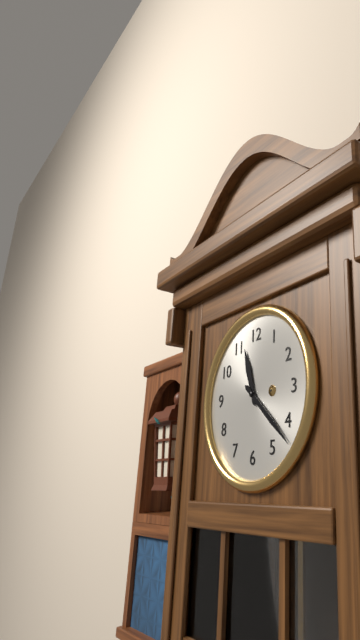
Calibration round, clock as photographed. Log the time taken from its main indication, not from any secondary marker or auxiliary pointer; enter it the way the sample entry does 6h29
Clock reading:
11h22
